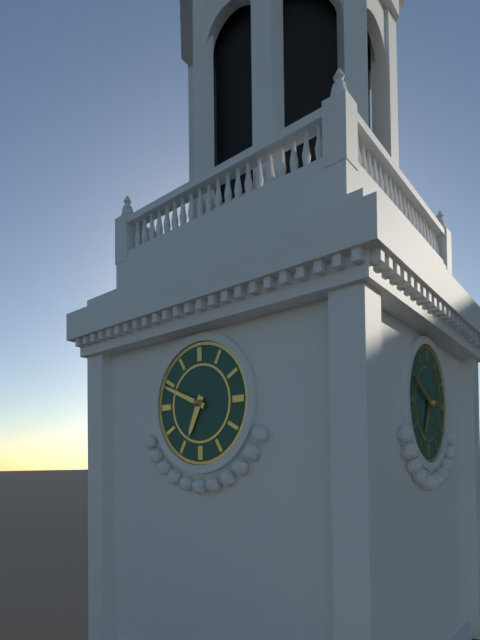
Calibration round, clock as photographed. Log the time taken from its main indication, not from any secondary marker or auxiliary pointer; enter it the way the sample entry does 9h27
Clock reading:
6h49
